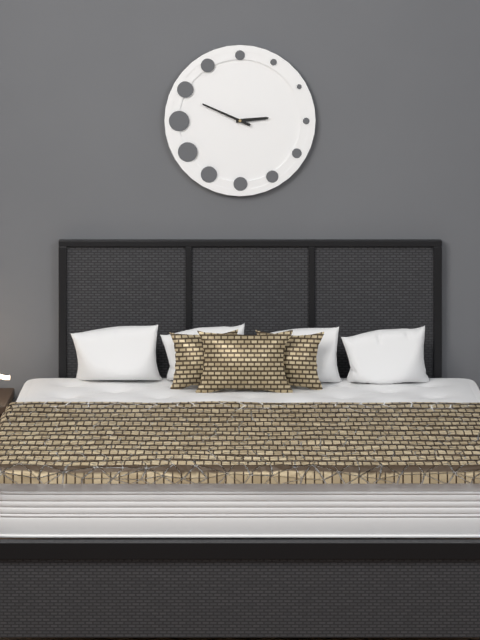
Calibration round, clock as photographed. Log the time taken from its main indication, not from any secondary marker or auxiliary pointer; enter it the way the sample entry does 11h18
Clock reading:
2h49
